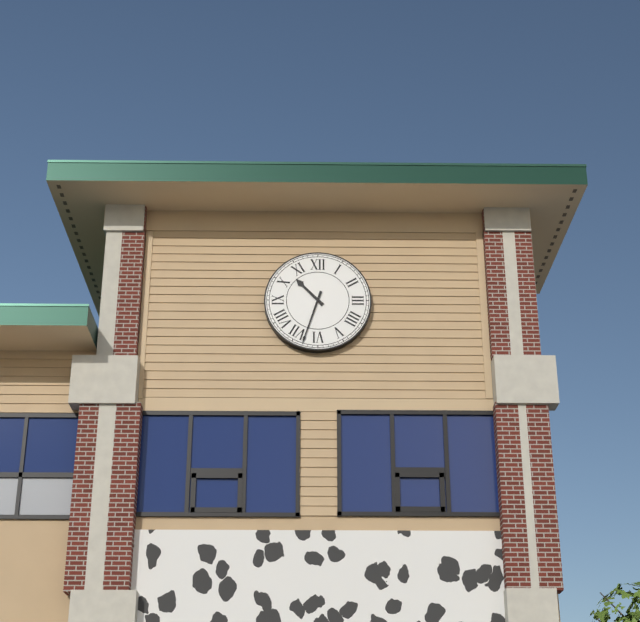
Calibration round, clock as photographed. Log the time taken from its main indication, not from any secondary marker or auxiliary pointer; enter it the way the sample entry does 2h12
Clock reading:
10h33
